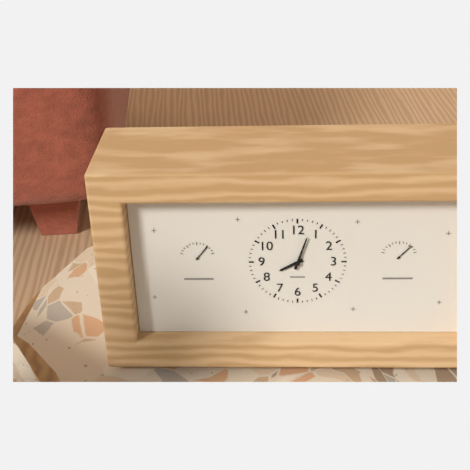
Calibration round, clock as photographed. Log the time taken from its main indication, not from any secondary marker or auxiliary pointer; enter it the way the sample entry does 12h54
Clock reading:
8h03
